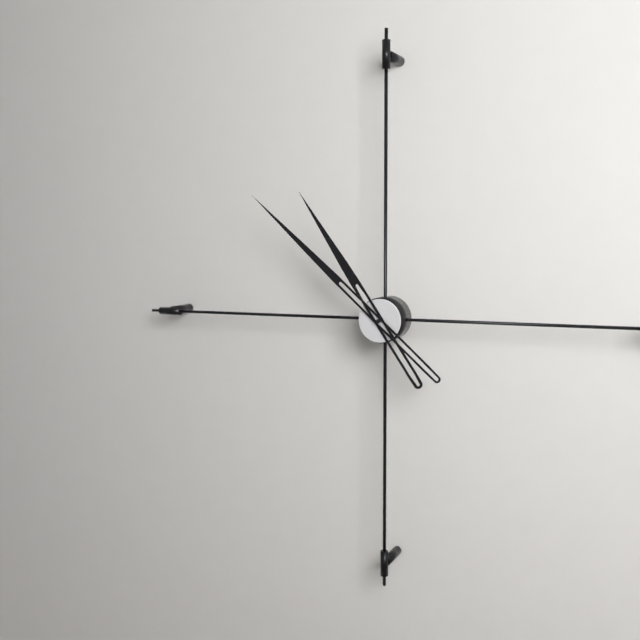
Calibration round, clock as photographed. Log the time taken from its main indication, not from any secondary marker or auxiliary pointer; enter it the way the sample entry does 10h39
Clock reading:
10h52
